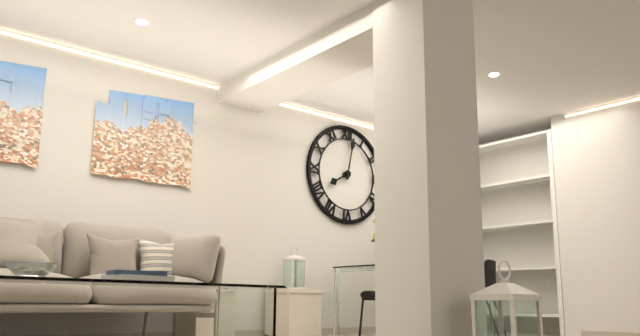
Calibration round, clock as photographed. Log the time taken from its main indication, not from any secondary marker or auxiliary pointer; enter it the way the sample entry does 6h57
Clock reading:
8h02
